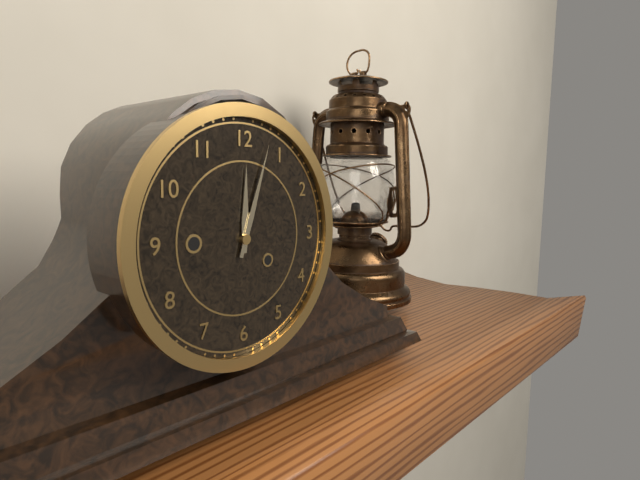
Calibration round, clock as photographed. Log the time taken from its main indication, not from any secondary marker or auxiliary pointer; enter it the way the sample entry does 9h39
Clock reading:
12h03
